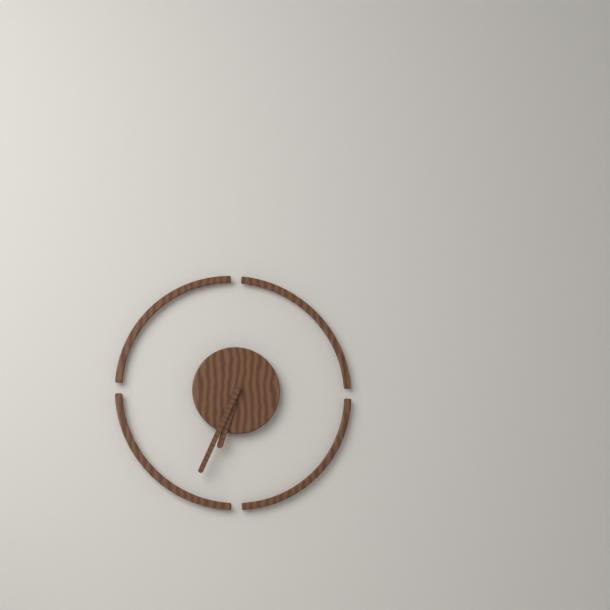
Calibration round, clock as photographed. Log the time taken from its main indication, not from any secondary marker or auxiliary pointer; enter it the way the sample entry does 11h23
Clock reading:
6h34
